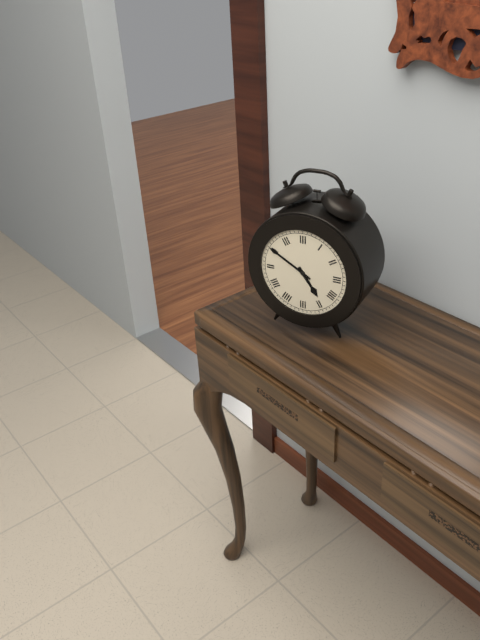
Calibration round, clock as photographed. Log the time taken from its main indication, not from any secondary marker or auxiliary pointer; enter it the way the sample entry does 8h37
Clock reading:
4h50
